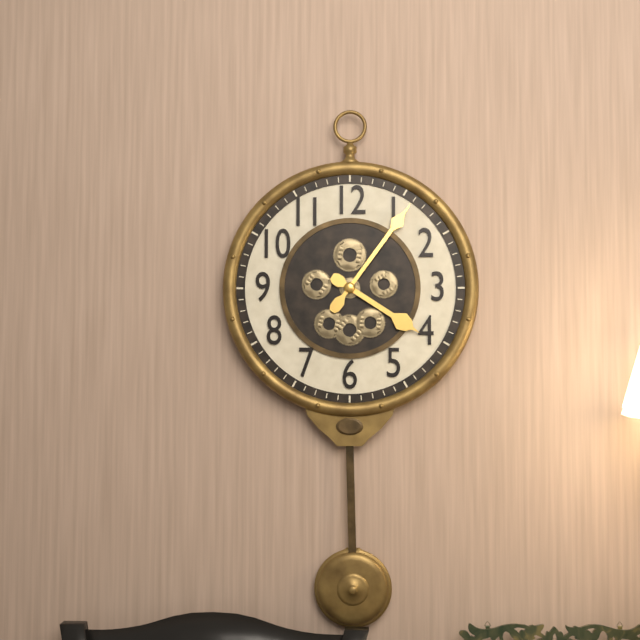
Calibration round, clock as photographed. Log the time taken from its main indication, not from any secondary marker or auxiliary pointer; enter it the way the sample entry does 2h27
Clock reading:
4h06
